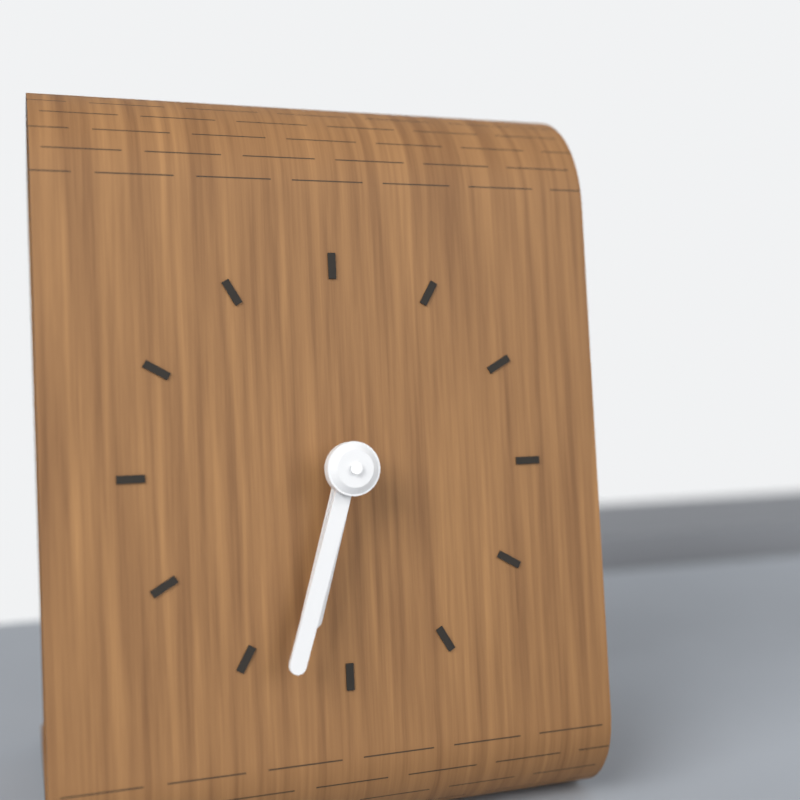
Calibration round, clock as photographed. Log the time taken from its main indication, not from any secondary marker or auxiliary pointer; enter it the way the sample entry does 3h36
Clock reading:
6h33
